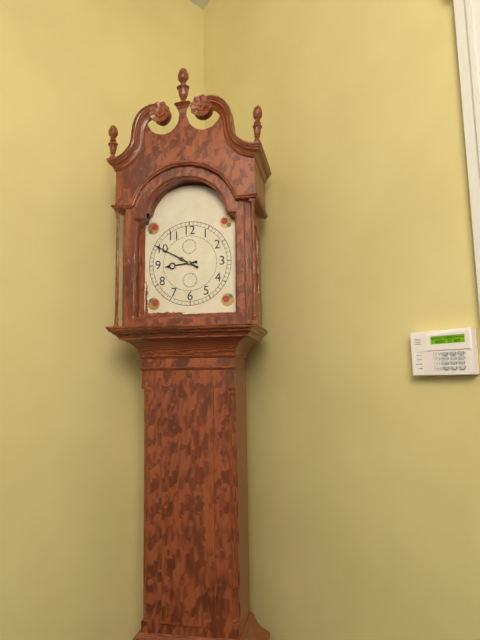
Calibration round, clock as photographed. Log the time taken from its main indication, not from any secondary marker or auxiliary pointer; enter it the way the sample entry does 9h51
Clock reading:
8h50
